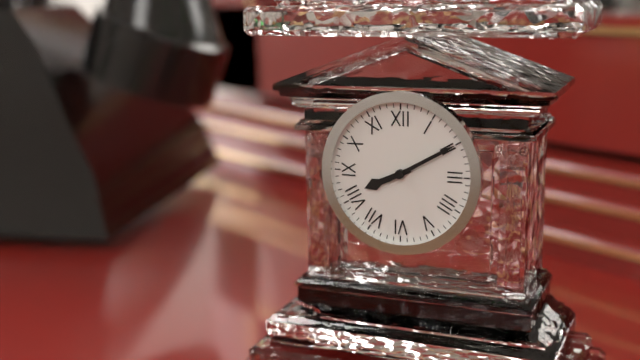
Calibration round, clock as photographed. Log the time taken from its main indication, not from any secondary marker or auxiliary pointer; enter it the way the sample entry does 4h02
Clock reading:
8h10
